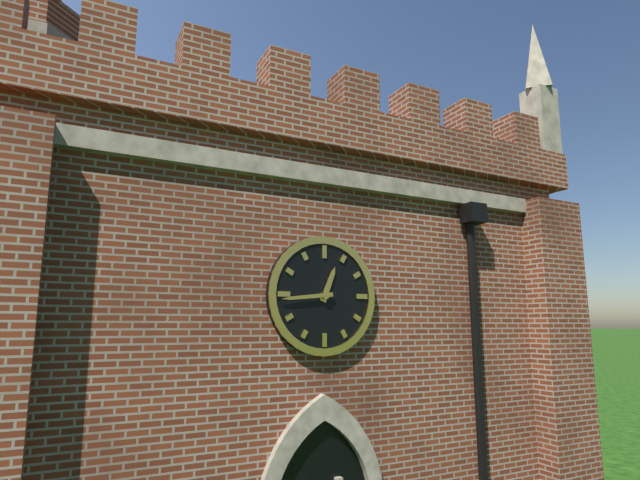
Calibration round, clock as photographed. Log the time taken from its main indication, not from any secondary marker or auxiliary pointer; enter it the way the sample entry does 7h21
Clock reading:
12h44
